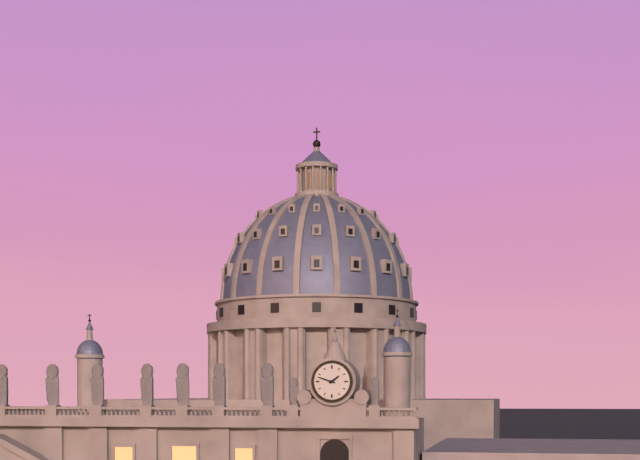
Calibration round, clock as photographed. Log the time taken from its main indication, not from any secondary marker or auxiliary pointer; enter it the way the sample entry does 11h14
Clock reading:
1h48
